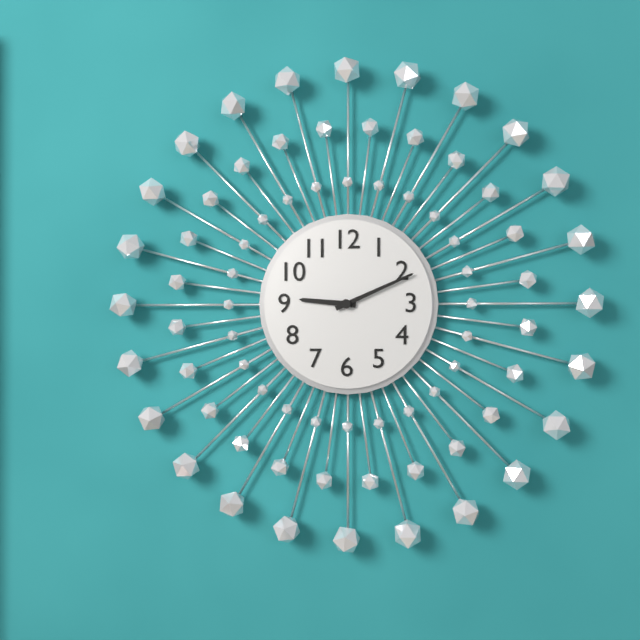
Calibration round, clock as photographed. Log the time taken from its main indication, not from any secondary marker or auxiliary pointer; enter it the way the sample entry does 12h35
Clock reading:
9h11
